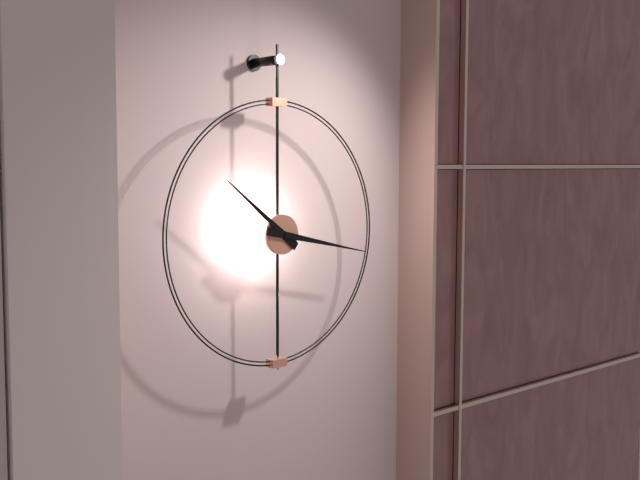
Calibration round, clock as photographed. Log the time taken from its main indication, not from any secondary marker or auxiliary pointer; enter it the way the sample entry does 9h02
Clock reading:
10h17
